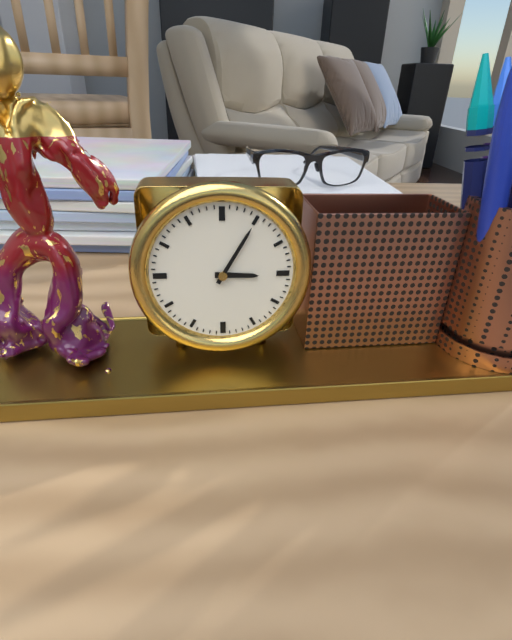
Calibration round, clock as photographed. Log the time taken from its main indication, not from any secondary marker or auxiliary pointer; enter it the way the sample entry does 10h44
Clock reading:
3h05
